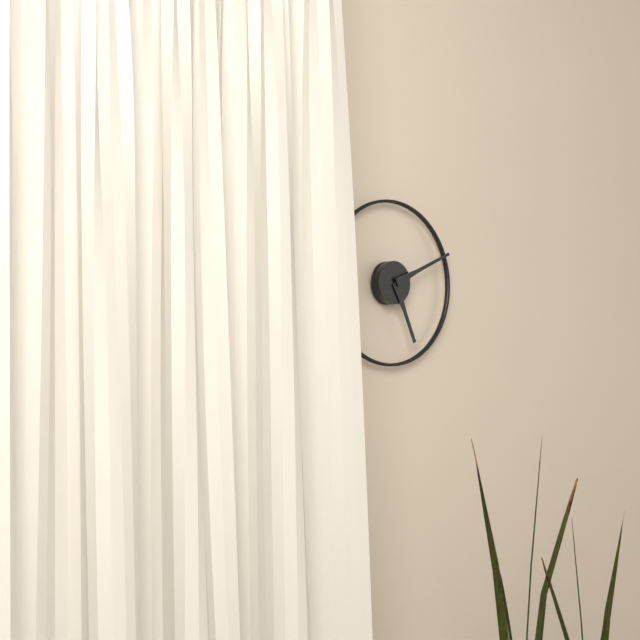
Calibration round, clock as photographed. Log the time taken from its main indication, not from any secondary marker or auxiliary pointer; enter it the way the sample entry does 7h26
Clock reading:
5h11
